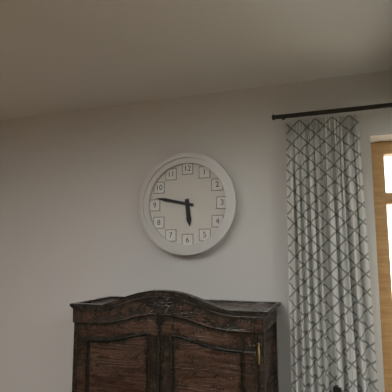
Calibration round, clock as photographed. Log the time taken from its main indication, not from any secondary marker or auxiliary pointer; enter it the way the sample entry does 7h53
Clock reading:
5h47
